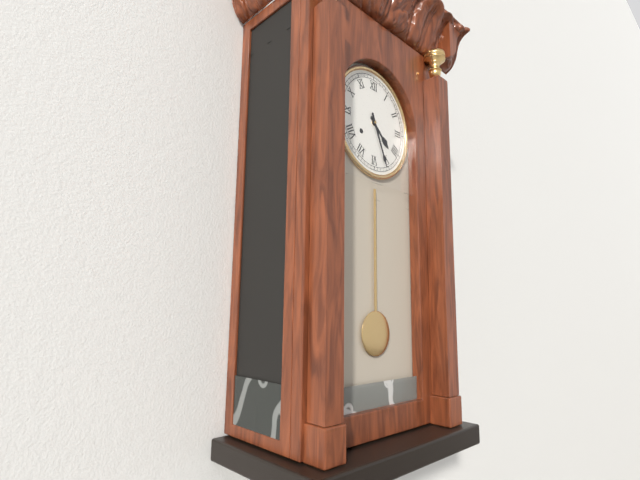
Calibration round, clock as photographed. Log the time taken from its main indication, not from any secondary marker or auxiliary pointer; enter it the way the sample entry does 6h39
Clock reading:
4h26
